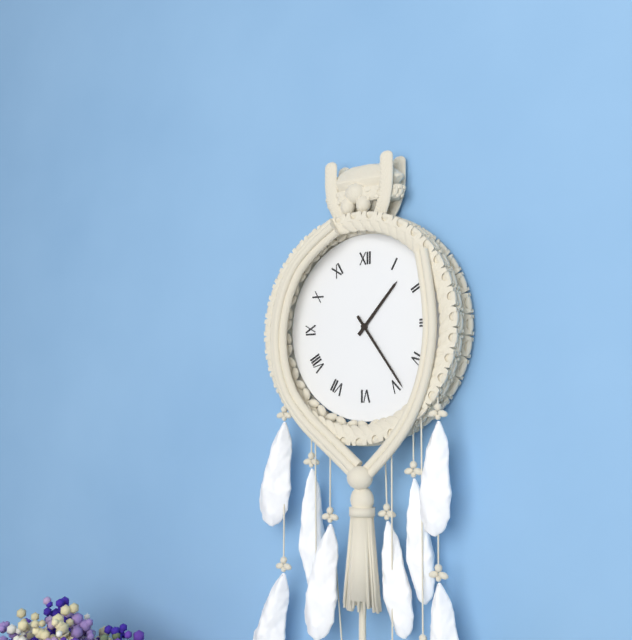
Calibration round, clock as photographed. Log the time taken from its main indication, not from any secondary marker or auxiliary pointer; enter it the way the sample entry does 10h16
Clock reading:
1h24
